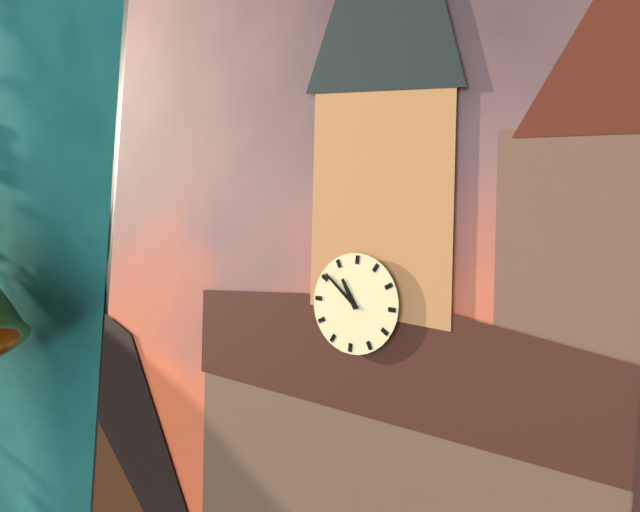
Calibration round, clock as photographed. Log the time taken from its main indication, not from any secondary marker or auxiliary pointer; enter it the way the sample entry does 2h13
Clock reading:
10h51
